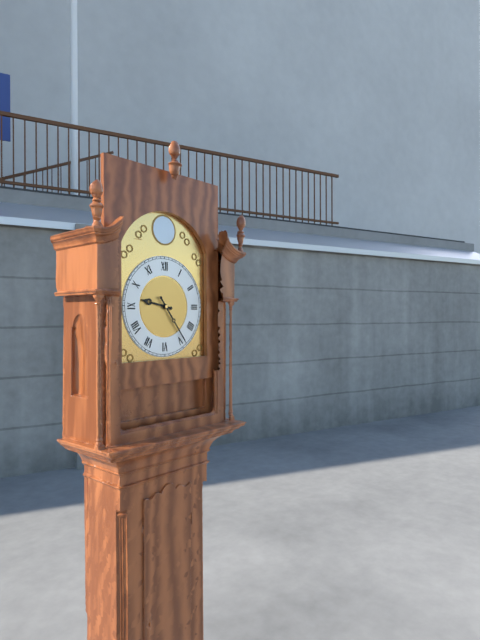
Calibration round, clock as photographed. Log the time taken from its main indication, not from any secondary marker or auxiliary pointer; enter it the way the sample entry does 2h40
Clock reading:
9h24
